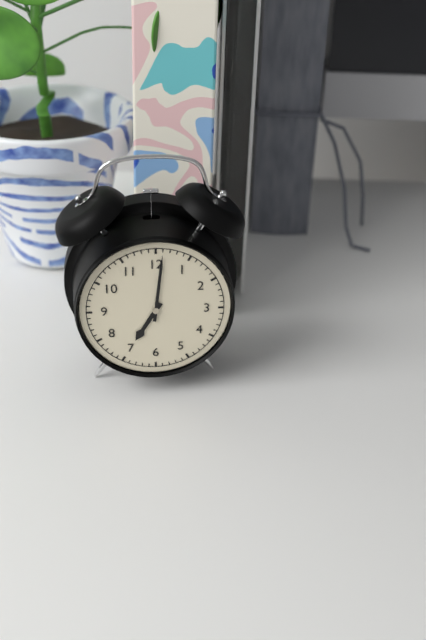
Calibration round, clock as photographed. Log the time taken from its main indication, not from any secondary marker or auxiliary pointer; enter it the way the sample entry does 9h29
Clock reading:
7h01
